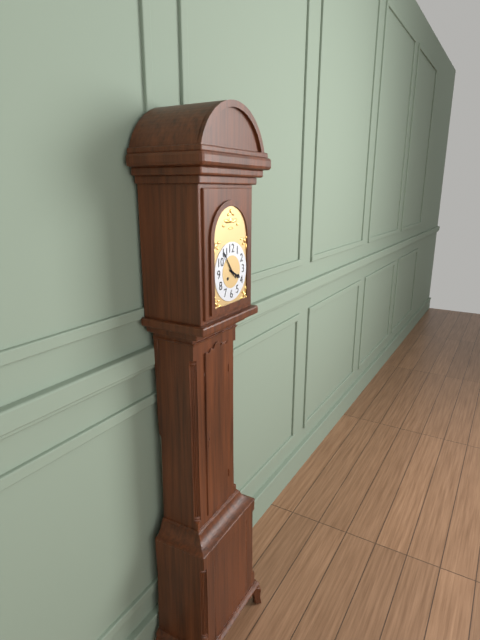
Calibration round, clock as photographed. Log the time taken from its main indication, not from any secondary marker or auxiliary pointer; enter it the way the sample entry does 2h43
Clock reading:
3h54
